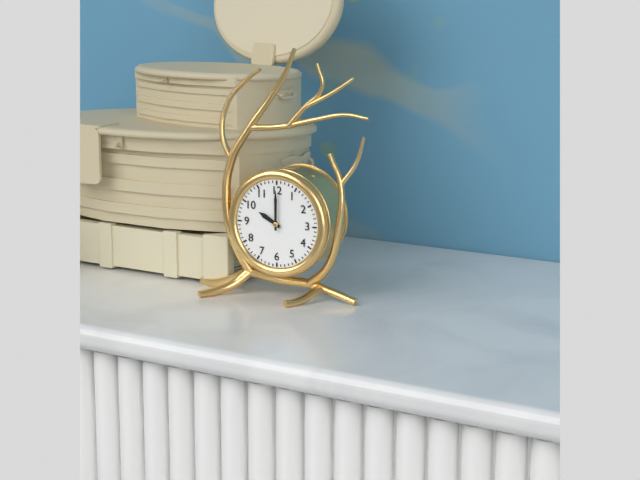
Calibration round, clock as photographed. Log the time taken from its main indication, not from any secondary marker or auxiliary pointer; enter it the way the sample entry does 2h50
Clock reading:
10h00
